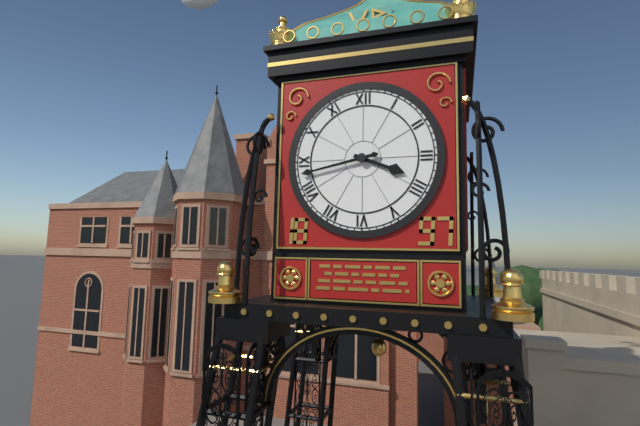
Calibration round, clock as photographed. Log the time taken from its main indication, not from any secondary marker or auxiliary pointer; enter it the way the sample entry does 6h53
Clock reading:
3h43
